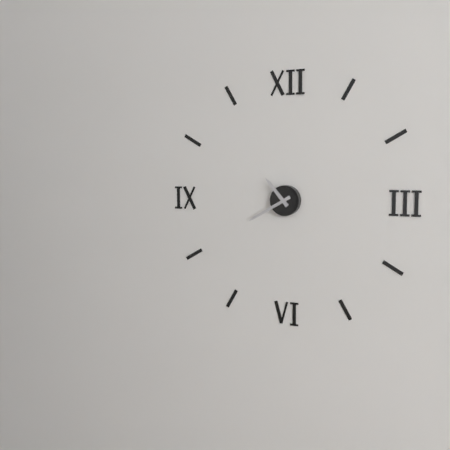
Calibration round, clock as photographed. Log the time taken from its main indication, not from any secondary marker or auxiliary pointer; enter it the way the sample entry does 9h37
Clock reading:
10h40
